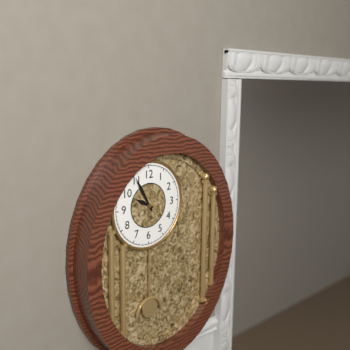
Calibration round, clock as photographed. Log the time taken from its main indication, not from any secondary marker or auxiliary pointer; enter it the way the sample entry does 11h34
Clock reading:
9h55
